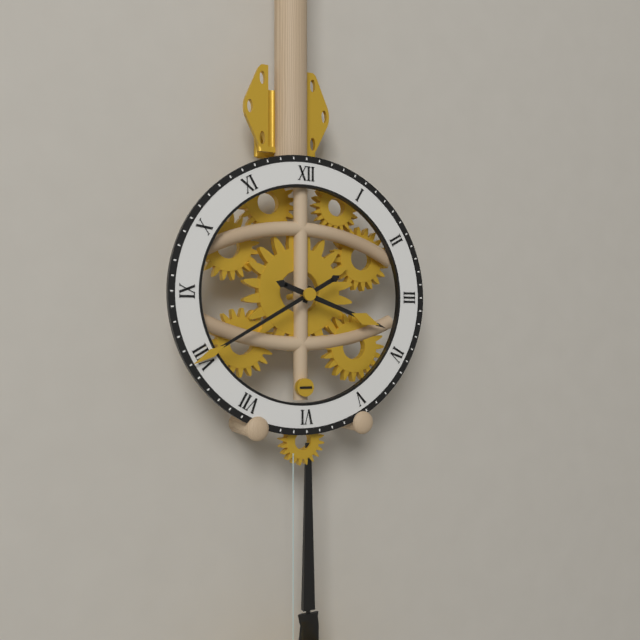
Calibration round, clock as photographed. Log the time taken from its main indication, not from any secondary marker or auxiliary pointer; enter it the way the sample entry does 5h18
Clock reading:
3h40
